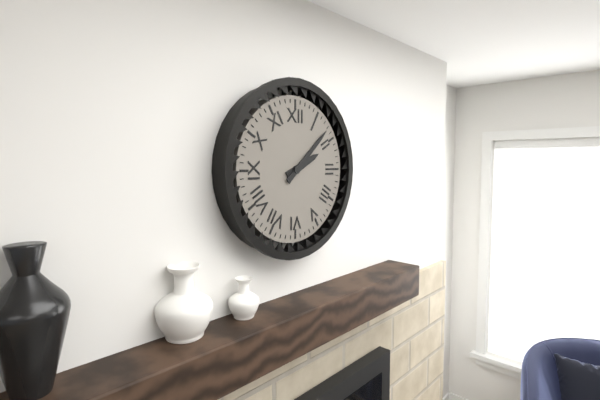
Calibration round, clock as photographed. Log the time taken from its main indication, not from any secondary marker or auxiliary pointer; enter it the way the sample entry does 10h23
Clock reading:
2h08
